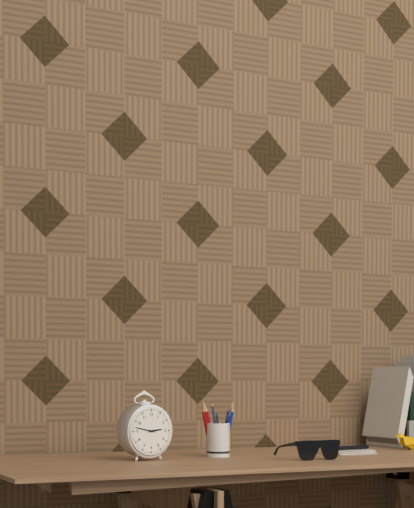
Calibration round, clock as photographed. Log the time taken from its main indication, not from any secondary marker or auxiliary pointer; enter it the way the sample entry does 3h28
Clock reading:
2h47
